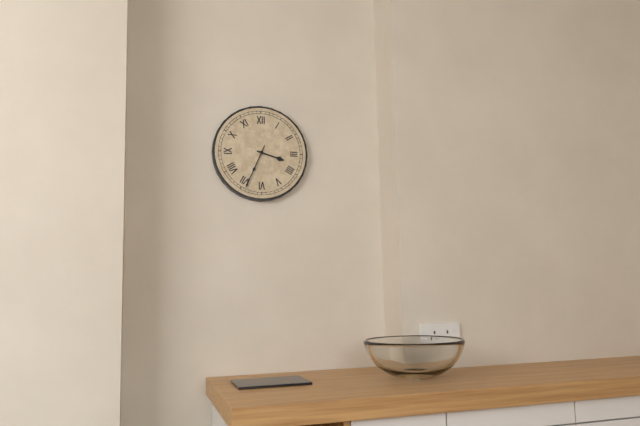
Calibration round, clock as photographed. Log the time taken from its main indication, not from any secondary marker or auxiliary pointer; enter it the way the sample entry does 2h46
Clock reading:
3h34
